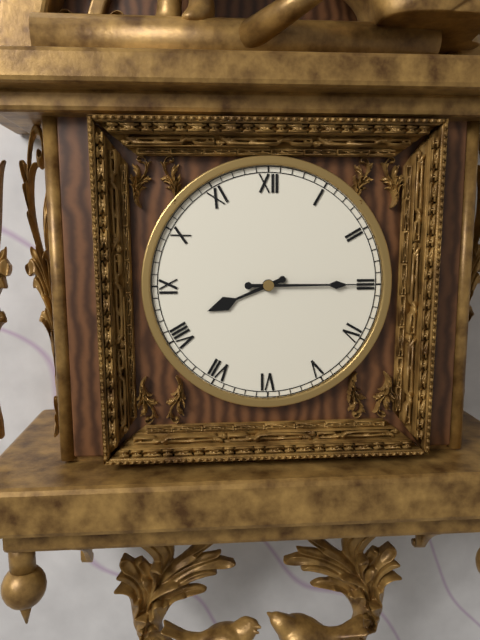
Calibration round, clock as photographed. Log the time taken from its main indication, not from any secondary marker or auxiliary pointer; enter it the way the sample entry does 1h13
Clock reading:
8h15
